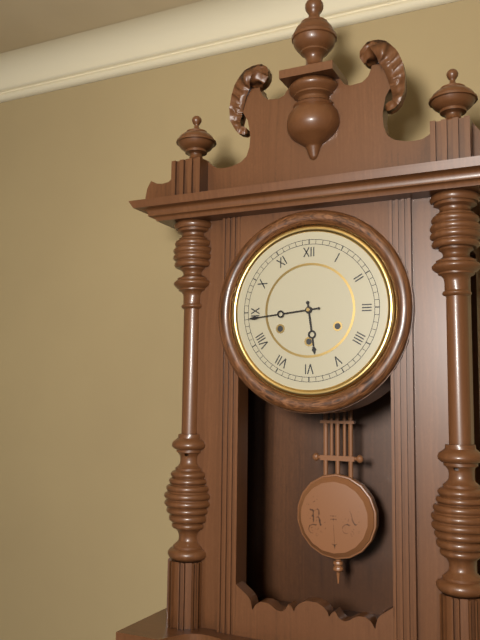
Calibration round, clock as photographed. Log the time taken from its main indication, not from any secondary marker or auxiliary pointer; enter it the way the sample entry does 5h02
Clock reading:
5h44
